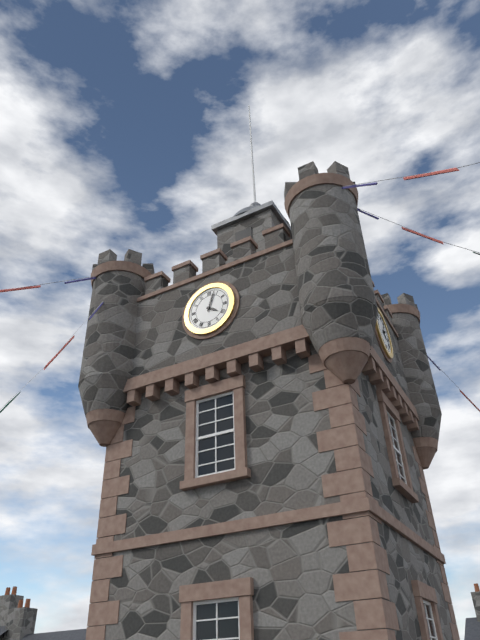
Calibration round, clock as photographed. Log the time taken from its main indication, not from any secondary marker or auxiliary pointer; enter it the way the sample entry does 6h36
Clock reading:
4h03
